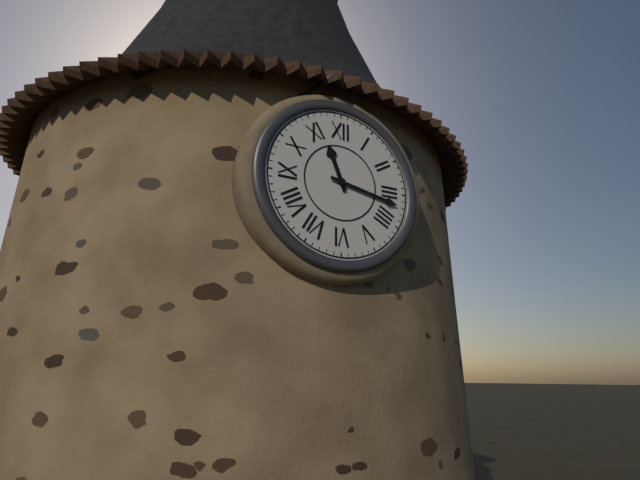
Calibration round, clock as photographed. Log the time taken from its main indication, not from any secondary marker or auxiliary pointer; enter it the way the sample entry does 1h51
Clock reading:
11h17
